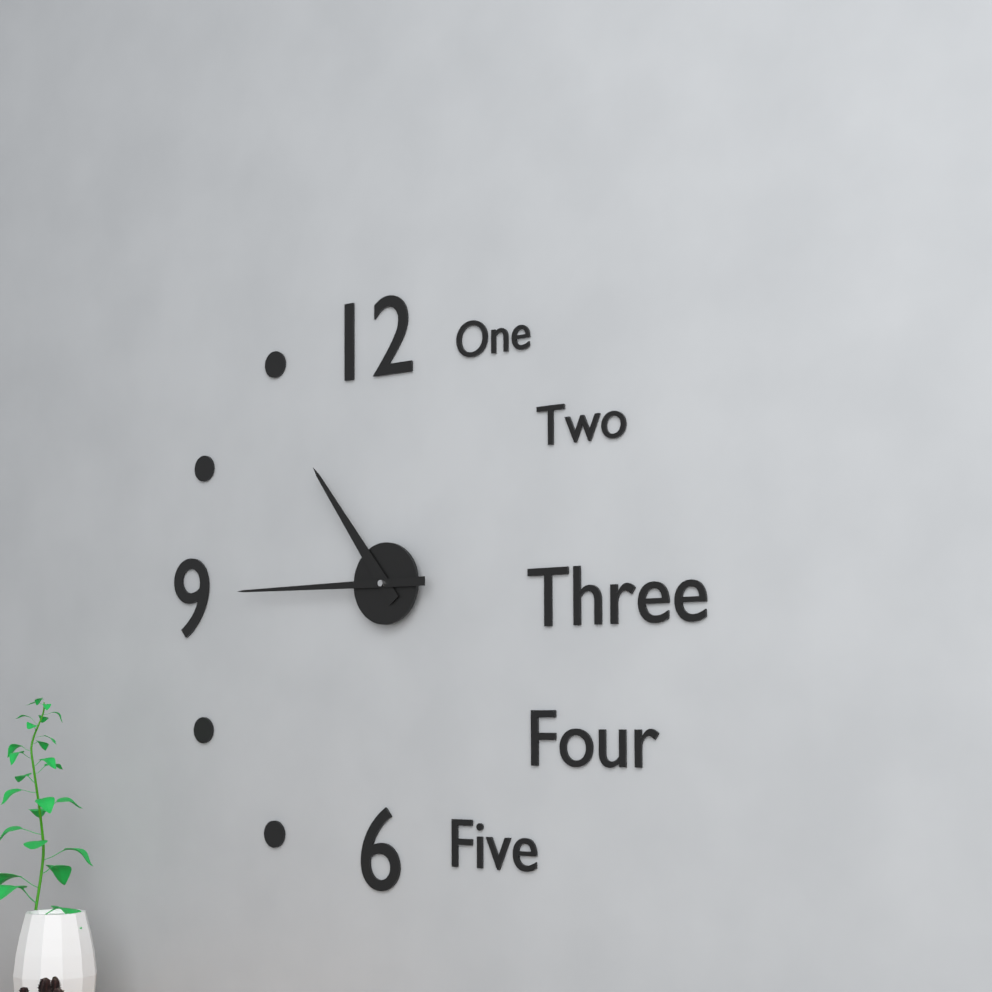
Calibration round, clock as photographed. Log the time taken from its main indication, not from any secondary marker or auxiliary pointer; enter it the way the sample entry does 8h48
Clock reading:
10h45
